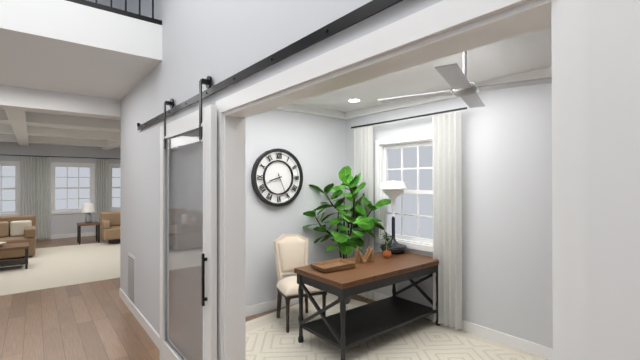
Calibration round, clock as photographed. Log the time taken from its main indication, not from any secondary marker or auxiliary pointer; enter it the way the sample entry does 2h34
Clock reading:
8h26
